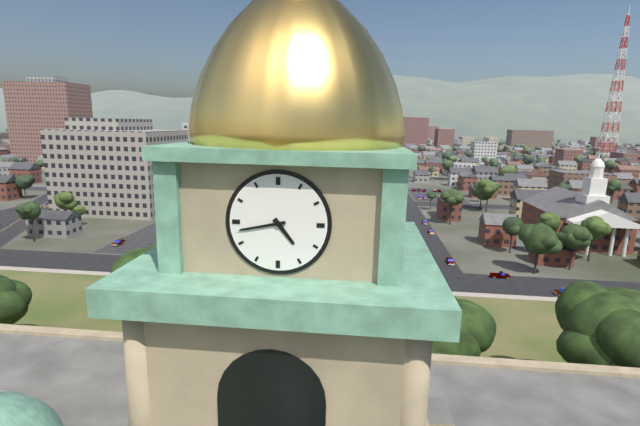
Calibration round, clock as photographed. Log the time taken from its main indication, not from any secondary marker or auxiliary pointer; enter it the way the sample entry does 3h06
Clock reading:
4h43
